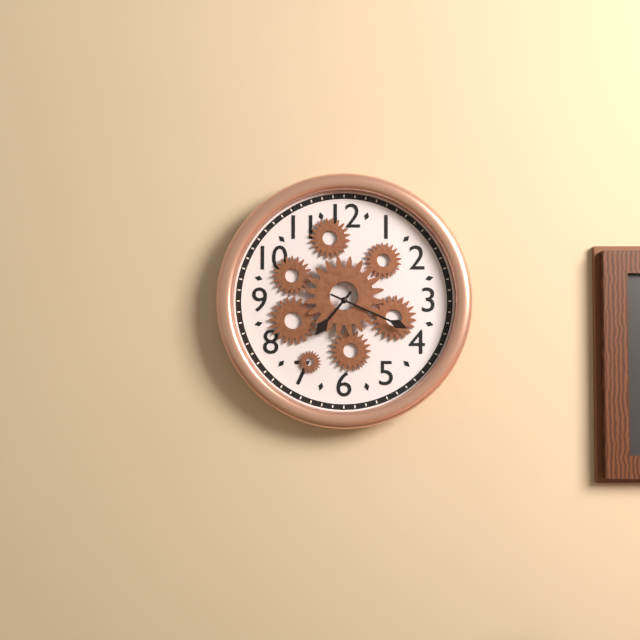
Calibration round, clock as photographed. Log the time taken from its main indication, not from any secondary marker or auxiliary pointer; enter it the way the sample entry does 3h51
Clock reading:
7h19
